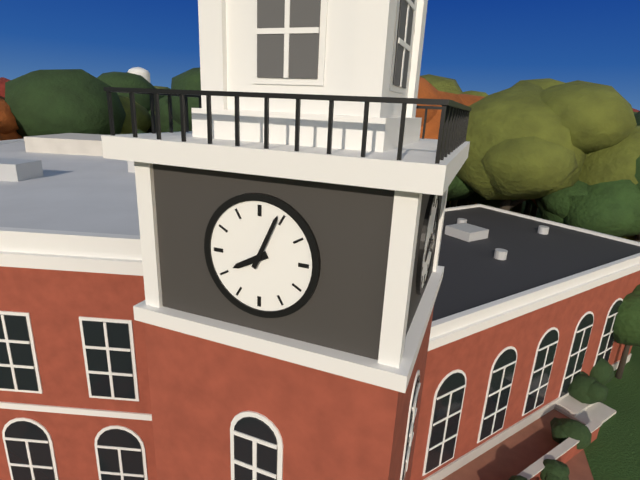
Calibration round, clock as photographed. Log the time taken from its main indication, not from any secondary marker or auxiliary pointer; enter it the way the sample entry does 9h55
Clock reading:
8h04
